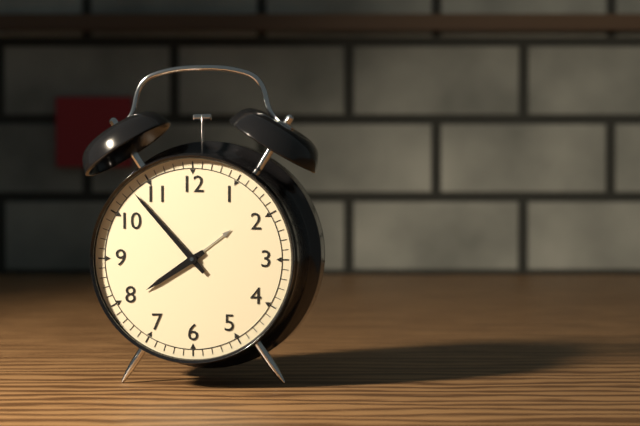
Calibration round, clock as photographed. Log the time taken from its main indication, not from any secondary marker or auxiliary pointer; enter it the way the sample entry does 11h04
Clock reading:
7h53
